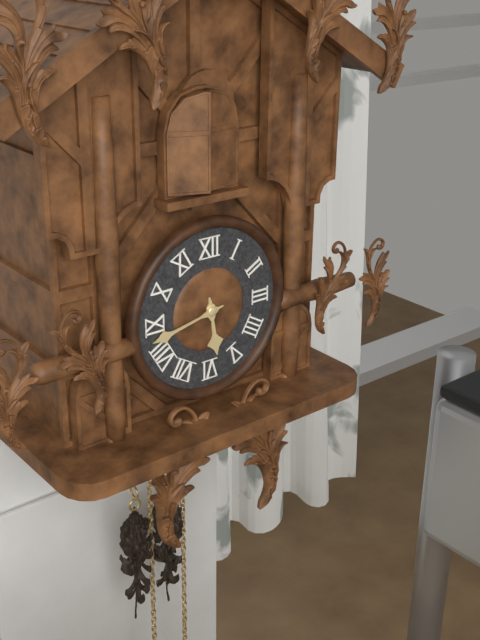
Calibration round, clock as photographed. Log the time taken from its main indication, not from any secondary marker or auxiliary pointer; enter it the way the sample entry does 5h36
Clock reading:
5h43
